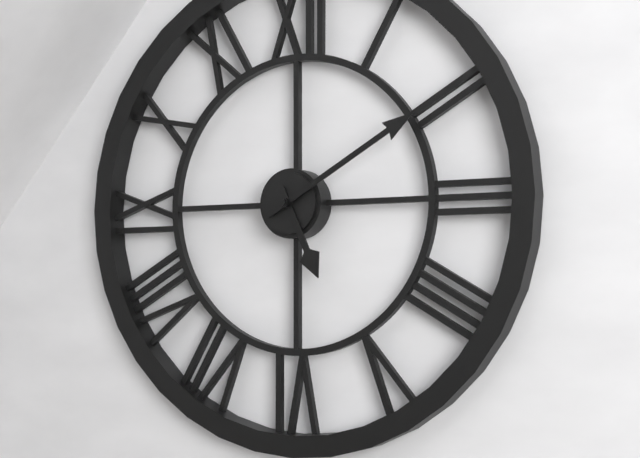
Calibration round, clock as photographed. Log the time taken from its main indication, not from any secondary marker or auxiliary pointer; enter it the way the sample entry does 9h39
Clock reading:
5h10
